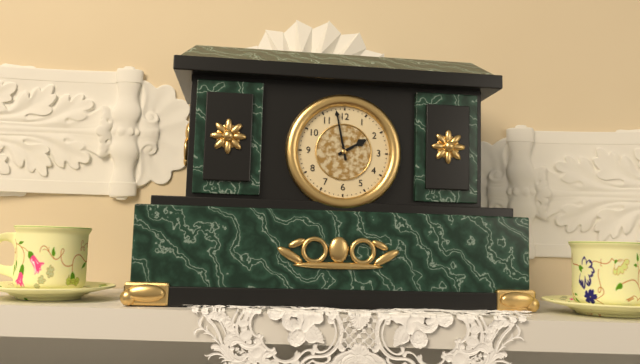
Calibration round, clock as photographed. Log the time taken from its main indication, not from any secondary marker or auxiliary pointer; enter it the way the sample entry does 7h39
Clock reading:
1h58
